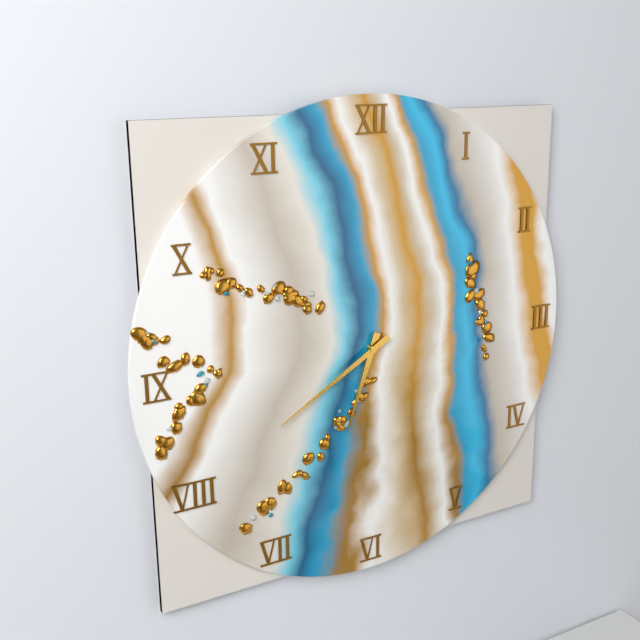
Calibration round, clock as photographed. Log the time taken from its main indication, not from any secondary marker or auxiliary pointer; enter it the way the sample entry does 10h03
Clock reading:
6h40
